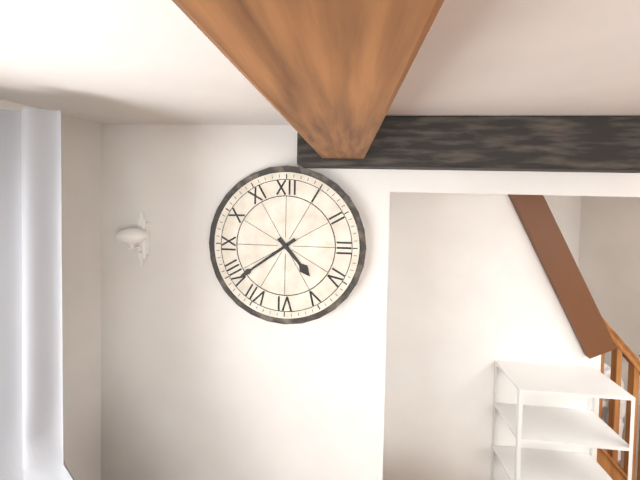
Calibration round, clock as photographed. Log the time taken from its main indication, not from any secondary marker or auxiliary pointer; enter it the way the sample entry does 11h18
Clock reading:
4h39
